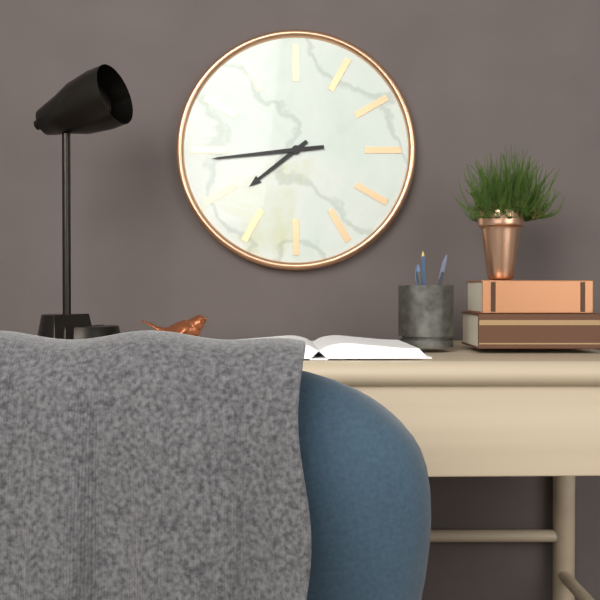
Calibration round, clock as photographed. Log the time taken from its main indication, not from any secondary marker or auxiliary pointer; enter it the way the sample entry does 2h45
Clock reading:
7h44
